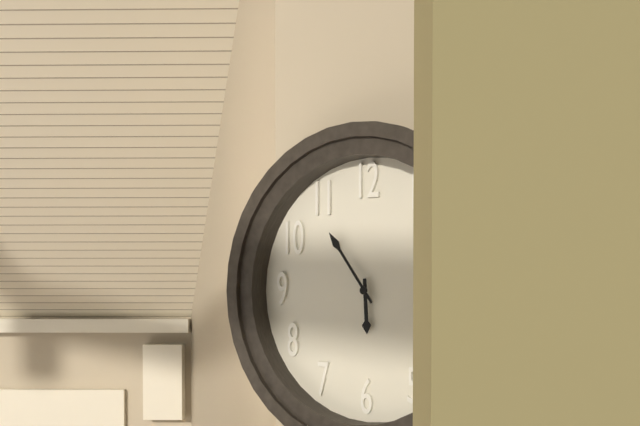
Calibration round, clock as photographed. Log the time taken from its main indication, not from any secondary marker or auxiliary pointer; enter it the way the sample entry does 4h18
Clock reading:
5h54
